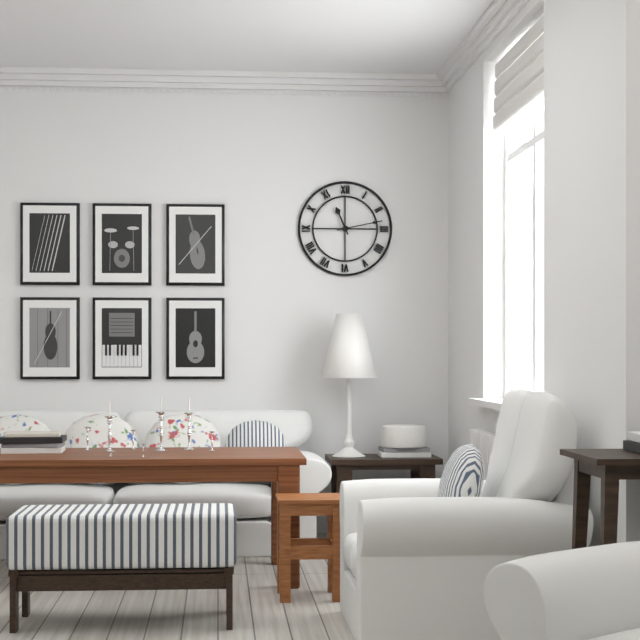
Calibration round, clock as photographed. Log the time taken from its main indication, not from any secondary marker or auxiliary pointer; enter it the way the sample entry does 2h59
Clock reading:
11h13
